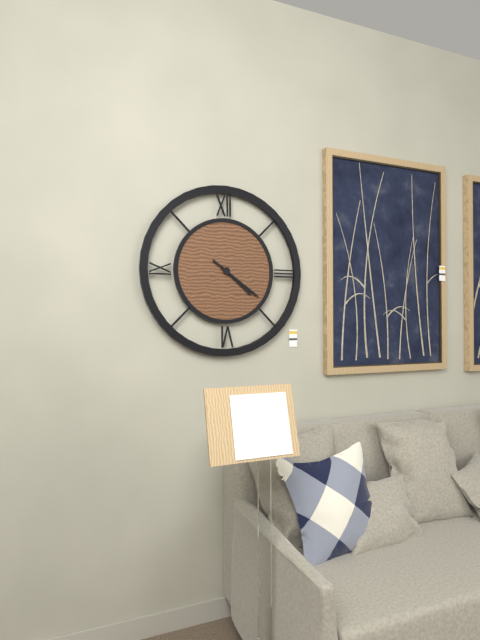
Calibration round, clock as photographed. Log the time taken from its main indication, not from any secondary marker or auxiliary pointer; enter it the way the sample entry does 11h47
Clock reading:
4h21
